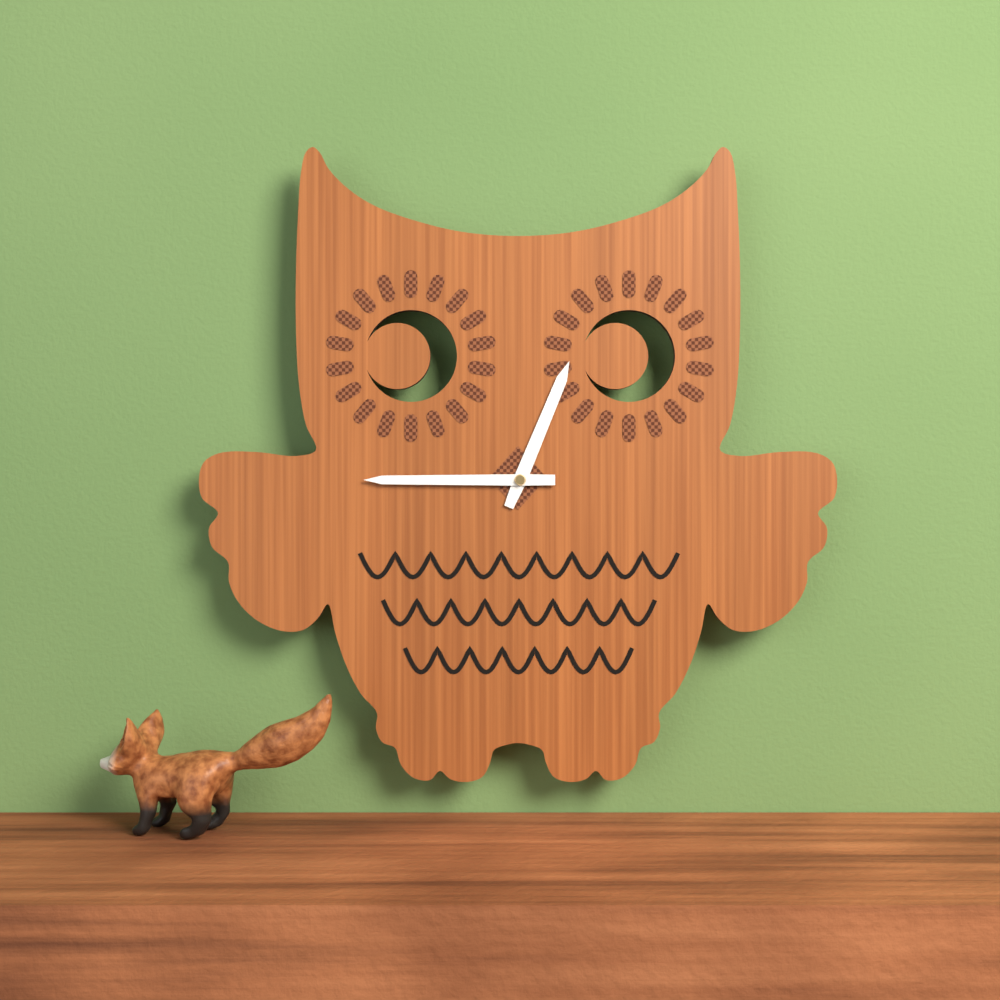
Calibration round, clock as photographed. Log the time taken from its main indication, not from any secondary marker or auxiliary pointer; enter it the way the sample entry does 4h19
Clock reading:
12h45
